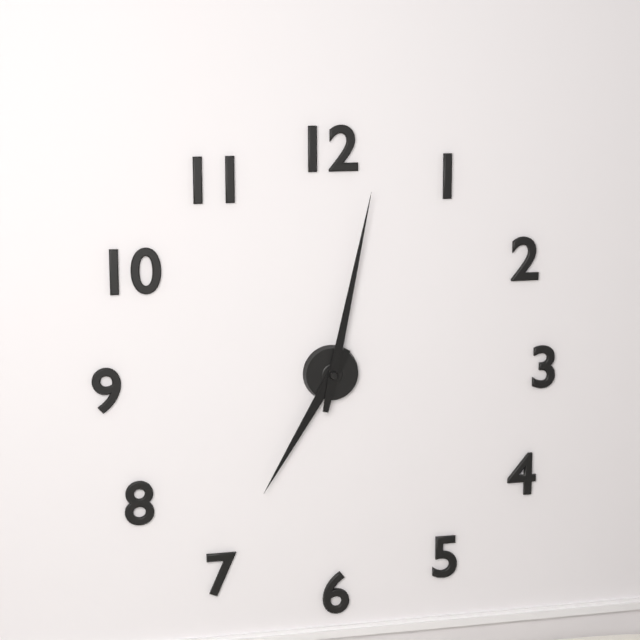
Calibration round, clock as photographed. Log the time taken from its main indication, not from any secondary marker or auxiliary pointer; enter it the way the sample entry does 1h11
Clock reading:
7h02
